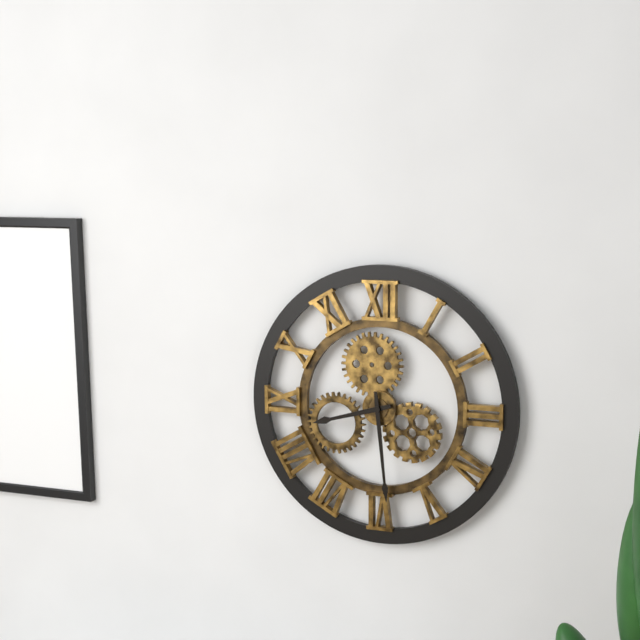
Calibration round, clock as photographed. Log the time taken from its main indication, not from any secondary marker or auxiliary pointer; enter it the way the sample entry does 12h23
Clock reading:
8h29
